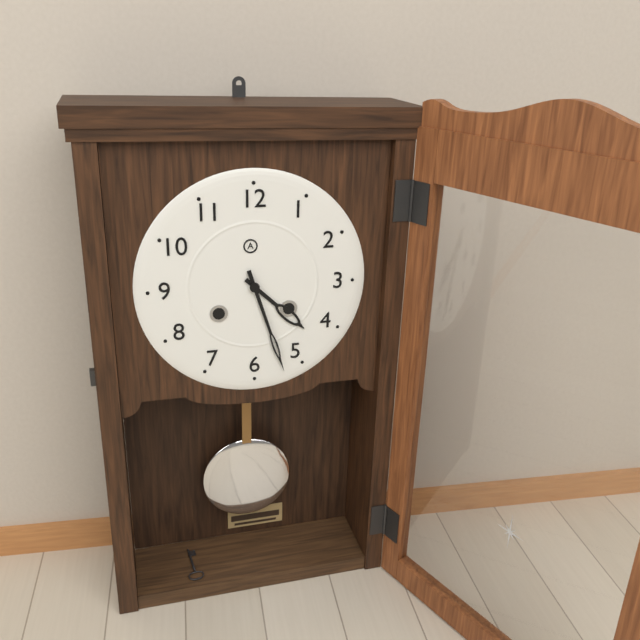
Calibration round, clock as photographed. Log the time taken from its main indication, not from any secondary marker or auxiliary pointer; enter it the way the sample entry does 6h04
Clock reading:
4h27
